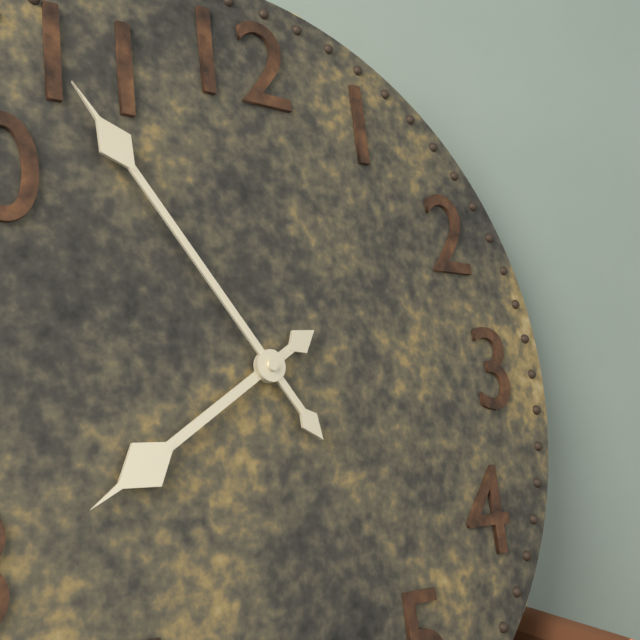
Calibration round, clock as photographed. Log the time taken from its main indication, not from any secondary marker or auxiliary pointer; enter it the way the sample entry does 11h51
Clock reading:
7h54
